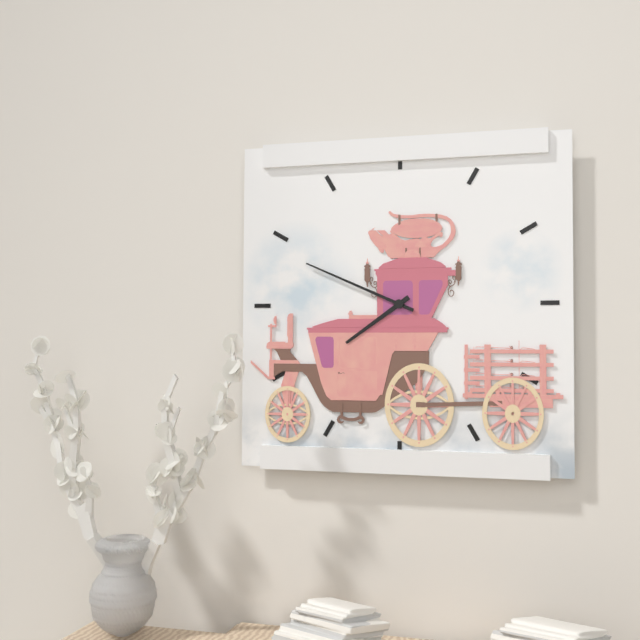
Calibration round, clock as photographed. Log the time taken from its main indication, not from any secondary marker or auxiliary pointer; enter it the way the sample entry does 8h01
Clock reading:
7h49
